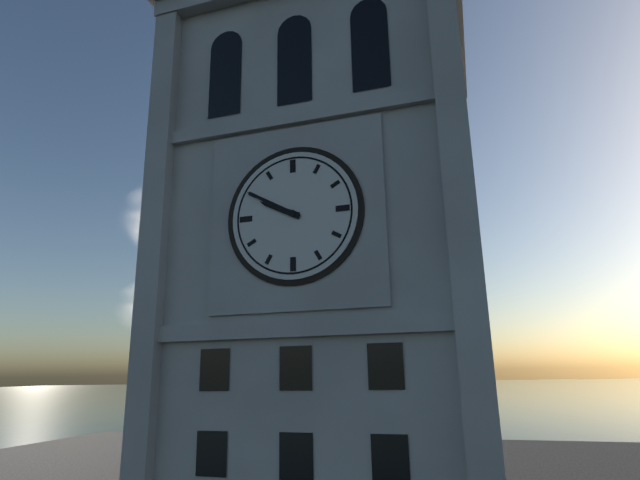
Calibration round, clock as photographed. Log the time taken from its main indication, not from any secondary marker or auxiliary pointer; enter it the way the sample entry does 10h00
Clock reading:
9h50
